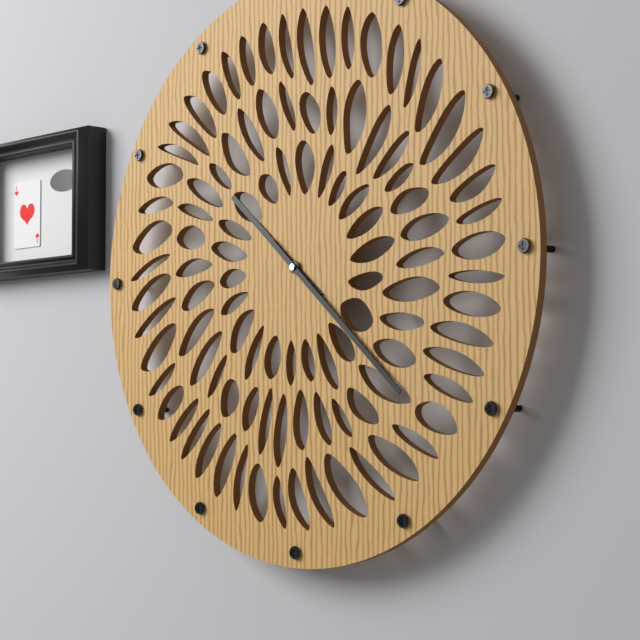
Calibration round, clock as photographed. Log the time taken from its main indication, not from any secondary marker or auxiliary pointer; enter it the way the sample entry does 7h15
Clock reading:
10h22
